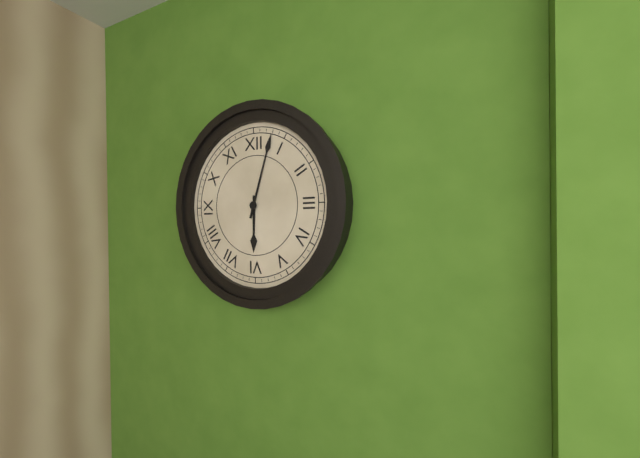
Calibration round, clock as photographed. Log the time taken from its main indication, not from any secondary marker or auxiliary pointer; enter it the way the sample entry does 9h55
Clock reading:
6h03
